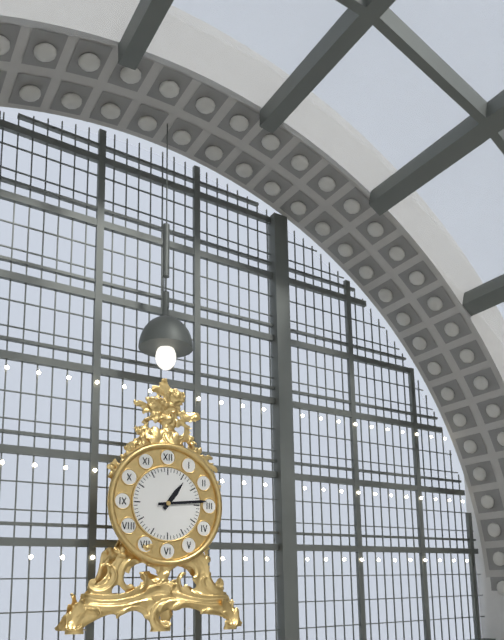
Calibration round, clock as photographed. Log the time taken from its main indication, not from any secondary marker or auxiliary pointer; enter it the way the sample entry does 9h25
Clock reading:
1h14
